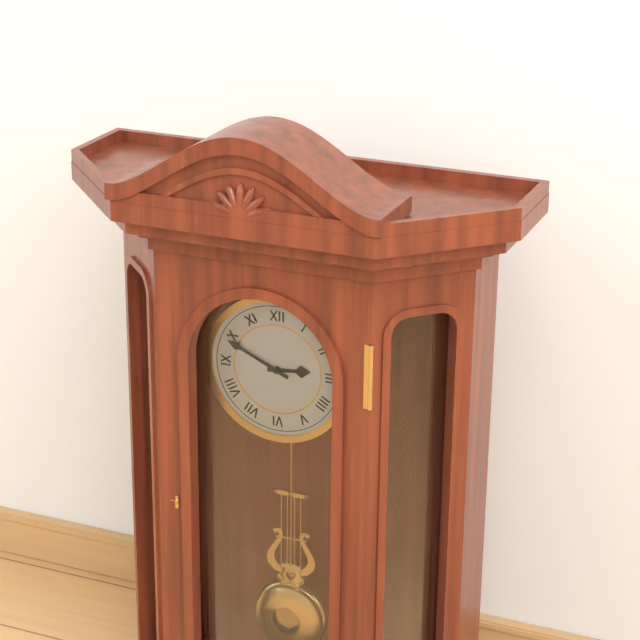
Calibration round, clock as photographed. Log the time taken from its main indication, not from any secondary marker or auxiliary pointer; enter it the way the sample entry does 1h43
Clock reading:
2h49
